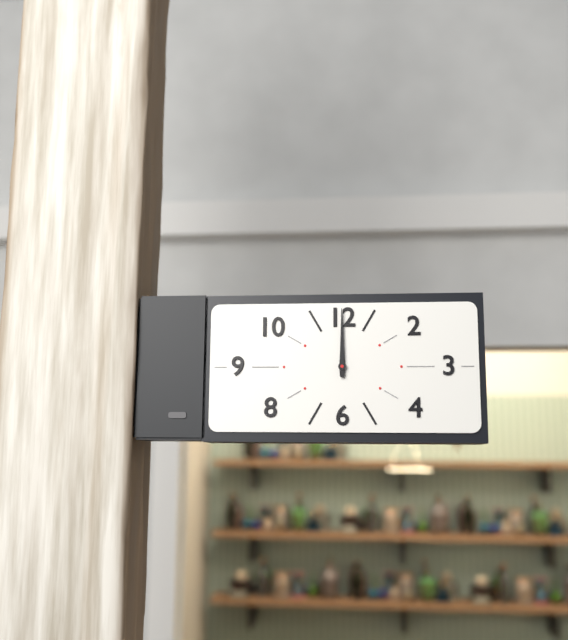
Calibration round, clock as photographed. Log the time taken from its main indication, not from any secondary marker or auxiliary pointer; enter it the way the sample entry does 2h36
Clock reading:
12h00
